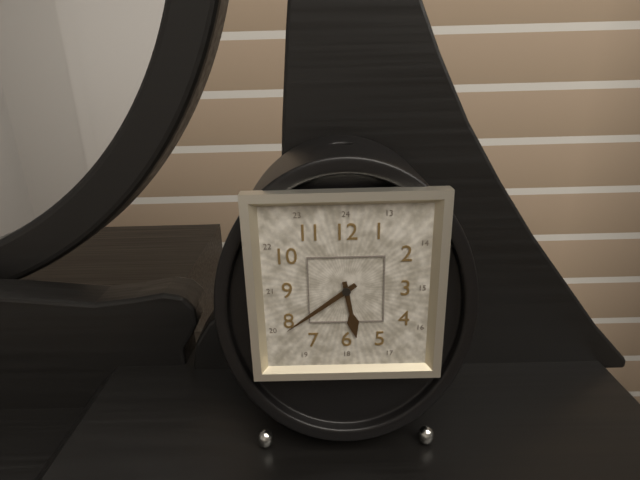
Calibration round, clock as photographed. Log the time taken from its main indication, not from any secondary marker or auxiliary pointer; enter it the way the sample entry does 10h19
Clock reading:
5h39
